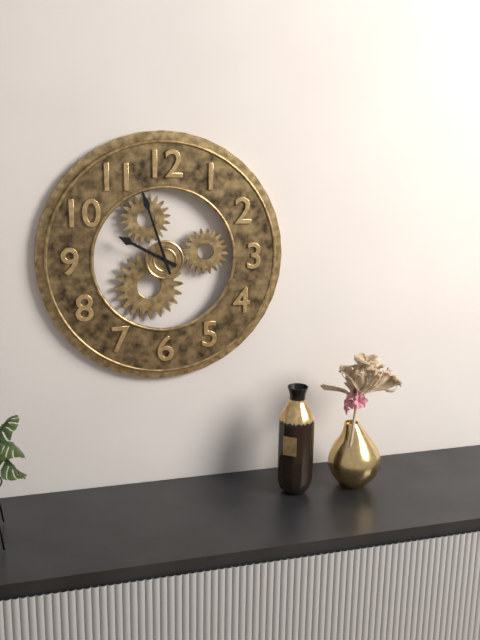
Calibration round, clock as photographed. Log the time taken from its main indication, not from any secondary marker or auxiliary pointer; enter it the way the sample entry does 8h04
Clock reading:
9h57
